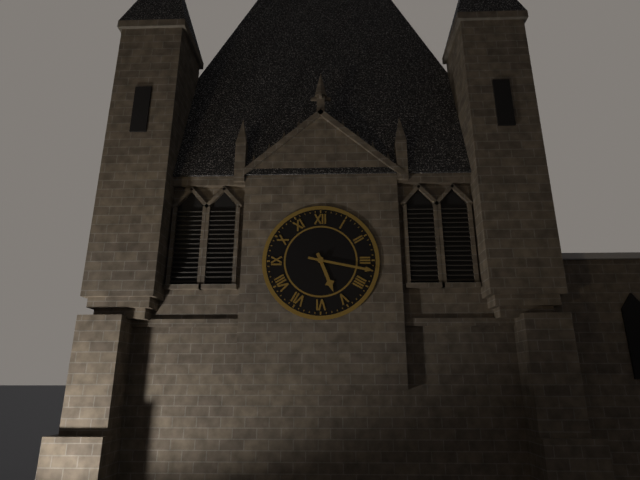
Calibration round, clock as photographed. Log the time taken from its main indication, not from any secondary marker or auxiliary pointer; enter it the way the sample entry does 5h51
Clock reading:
5h17
